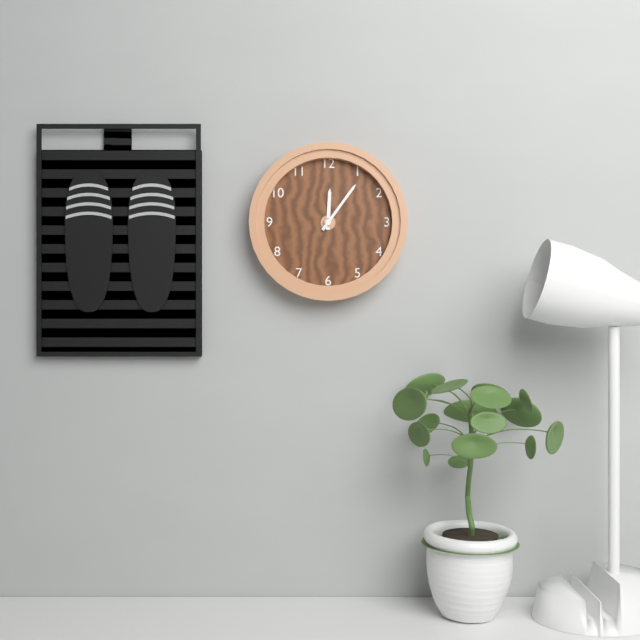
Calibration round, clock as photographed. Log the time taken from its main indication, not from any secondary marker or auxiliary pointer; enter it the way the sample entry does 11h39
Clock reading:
12h06
